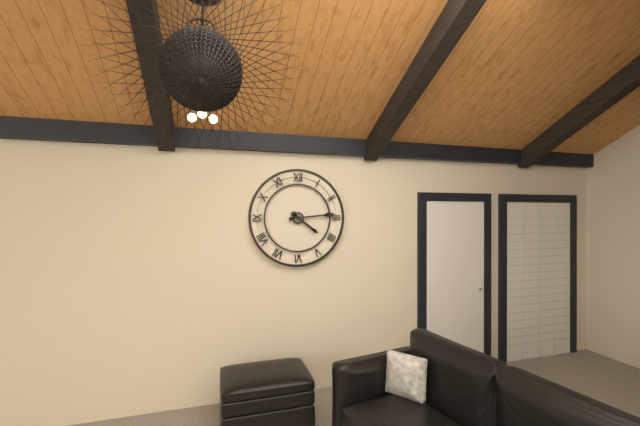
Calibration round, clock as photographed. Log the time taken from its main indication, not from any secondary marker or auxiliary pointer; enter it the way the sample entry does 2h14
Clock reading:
4h14
